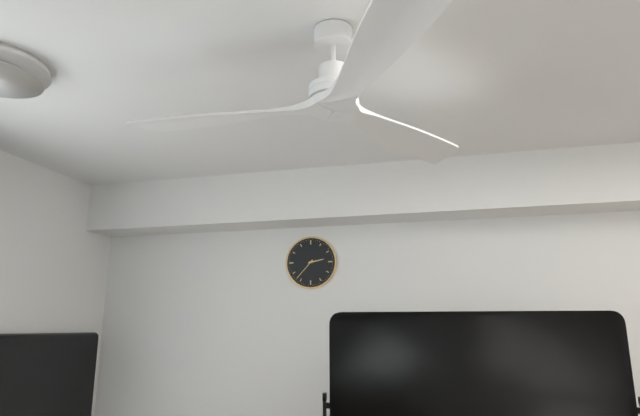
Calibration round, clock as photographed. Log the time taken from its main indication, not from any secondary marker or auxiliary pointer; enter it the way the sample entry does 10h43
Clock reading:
2h37
